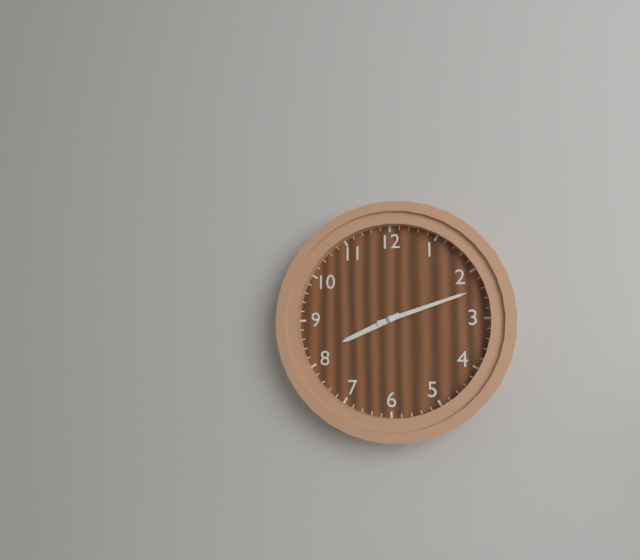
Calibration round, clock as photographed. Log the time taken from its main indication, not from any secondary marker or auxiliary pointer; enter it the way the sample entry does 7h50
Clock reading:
8h12
